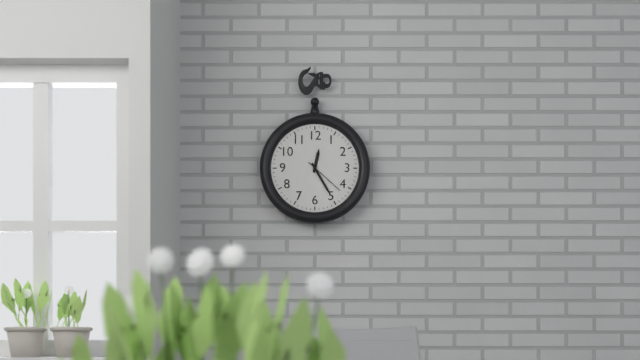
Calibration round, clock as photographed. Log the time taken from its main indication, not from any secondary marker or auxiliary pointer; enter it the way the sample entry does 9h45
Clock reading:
12h25
